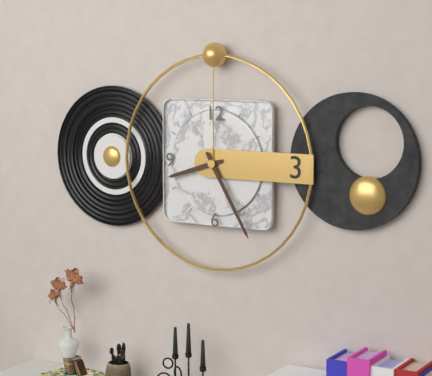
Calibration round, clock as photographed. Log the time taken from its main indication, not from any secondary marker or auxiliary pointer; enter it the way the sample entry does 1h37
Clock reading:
8h25
